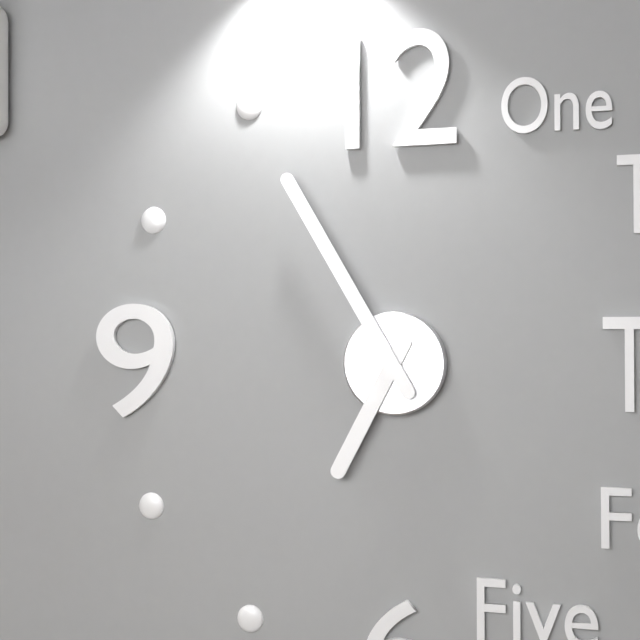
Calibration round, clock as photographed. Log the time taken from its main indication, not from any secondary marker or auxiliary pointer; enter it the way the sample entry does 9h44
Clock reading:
6h55
